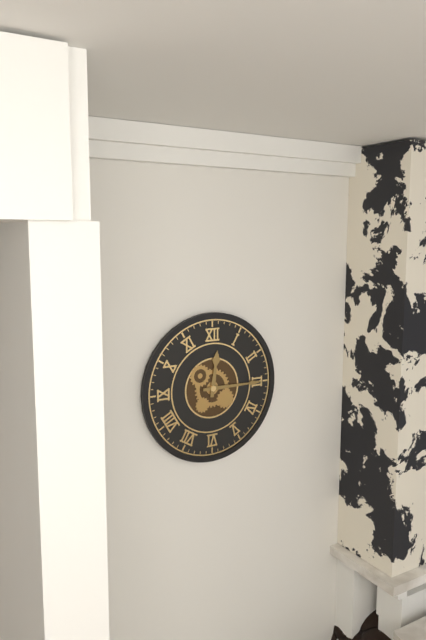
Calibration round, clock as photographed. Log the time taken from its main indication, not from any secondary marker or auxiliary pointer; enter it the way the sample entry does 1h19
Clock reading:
12h15
